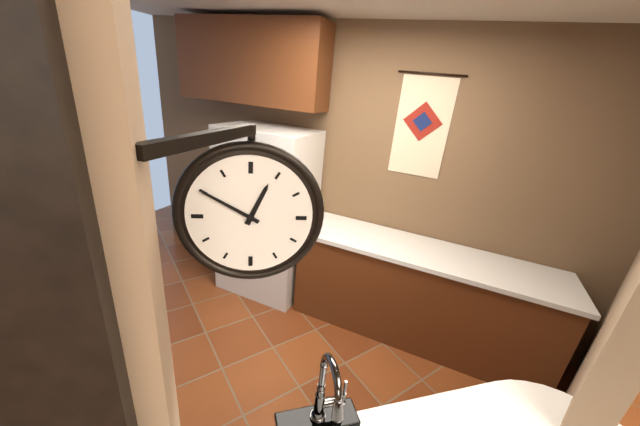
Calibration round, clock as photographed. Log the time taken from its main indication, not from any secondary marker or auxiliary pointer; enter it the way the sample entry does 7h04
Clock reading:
12h50
